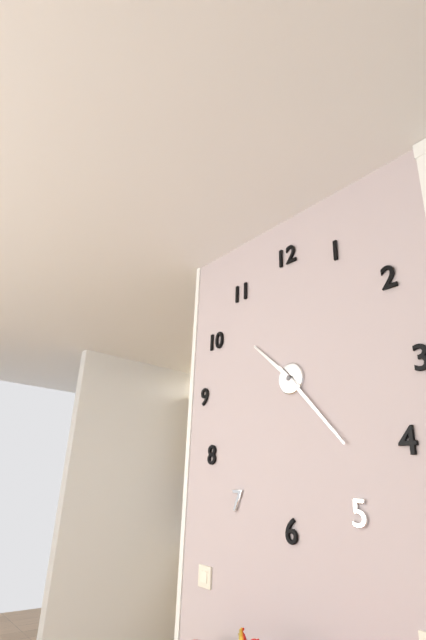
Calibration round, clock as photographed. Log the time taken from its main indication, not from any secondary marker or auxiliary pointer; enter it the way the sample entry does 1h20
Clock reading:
10h23
